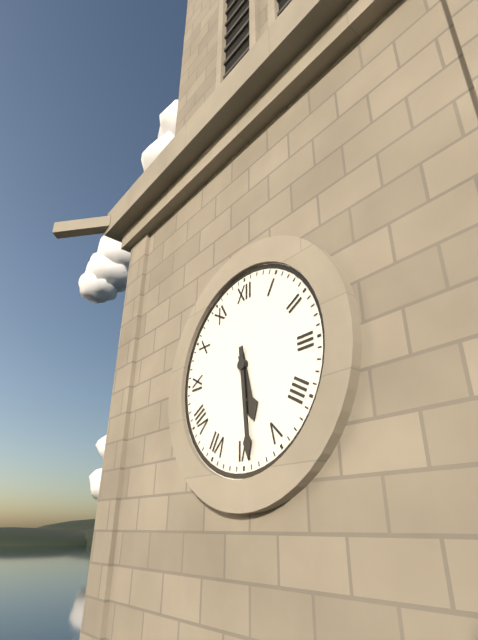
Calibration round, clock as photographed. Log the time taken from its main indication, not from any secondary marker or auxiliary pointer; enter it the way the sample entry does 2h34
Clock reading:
5h29
